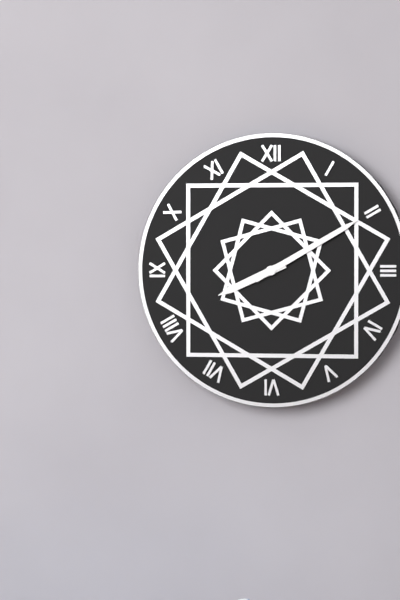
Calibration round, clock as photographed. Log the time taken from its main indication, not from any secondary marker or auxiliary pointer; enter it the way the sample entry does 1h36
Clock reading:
8h10
